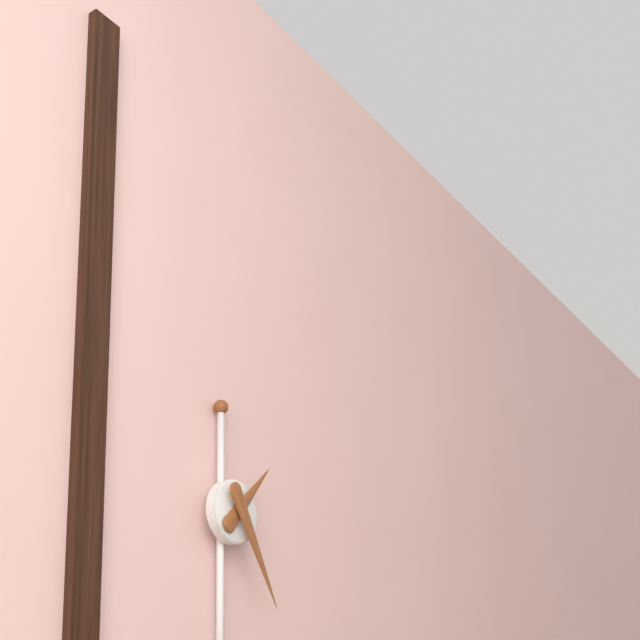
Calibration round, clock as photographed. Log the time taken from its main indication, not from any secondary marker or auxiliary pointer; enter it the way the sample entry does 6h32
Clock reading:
1h25
